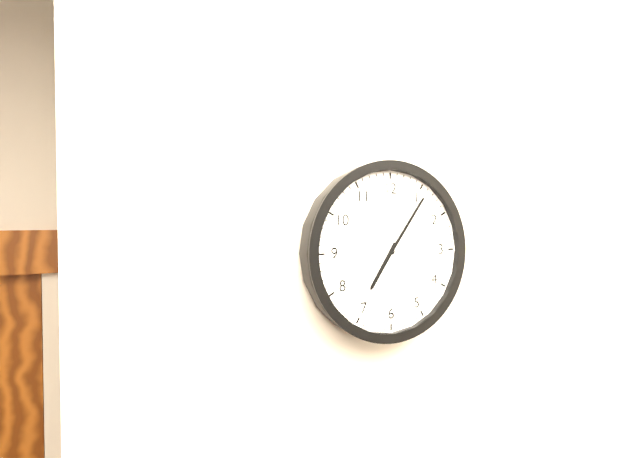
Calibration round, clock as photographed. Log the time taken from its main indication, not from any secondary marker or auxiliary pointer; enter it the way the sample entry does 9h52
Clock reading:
7h06
